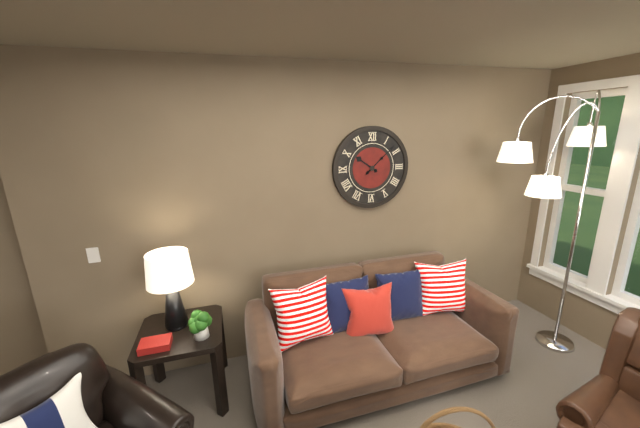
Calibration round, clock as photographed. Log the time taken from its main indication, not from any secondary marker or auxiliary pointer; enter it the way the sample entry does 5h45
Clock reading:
10h08
